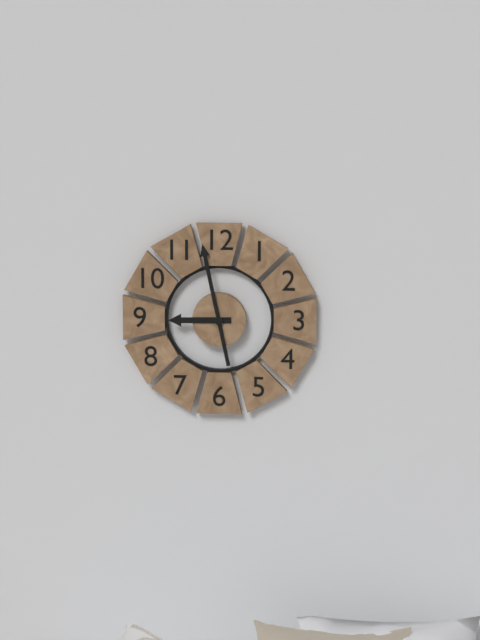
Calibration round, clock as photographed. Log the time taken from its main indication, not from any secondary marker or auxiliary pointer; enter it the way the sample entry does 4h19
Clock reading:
8h58
